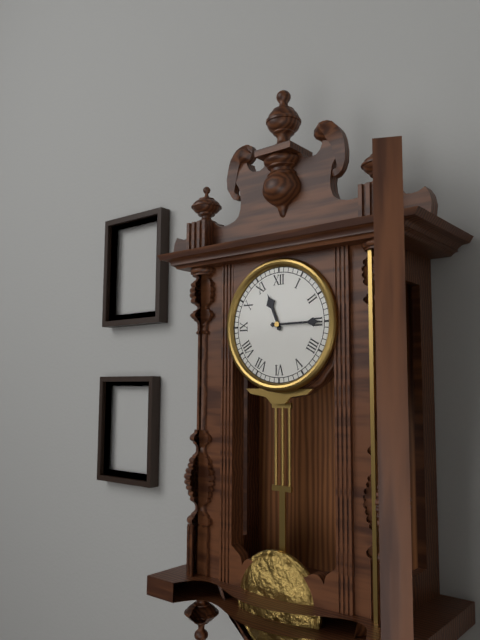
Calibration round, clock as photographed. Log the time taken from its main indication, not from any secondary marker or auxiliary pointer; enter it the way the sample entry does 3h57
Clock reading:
11h15
